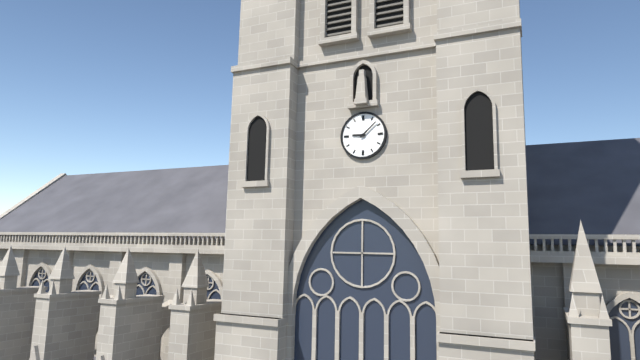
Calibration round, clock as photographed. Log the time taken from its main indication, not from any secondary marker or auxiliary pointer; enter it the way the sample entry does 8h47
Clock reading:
9h08
